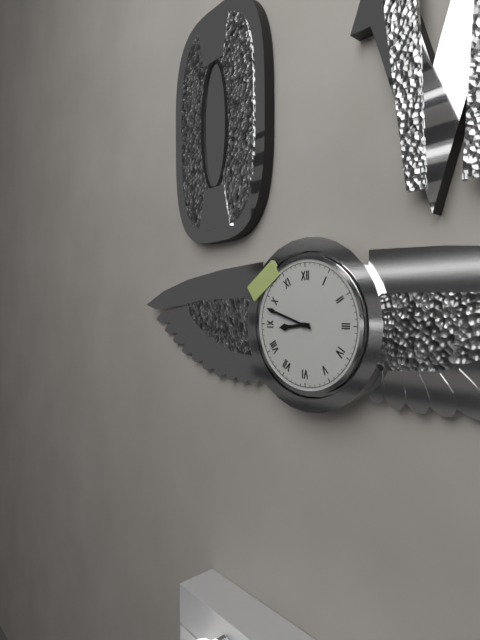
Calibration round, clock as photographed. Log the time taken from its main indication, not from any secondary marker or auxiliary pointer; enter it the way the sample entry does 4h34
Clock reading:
8h48
